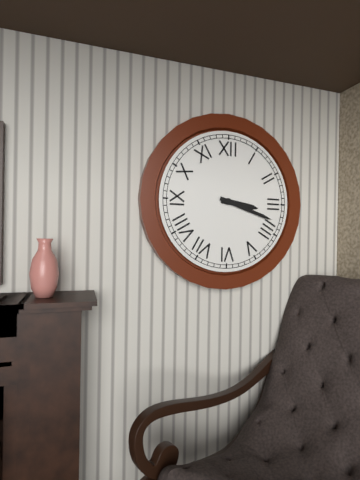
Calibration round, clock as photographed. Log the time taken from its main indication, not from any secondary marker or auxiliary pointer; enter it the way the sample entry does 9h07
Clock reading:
3h18
